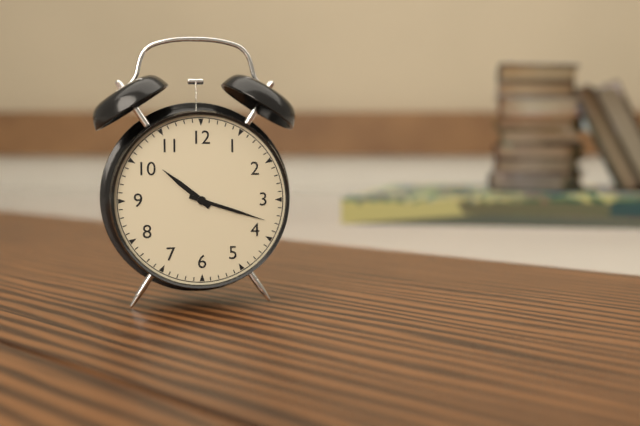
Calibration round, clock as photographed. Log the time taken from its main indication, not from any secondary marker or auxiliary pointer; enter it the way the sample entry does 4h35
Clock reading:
10h18
